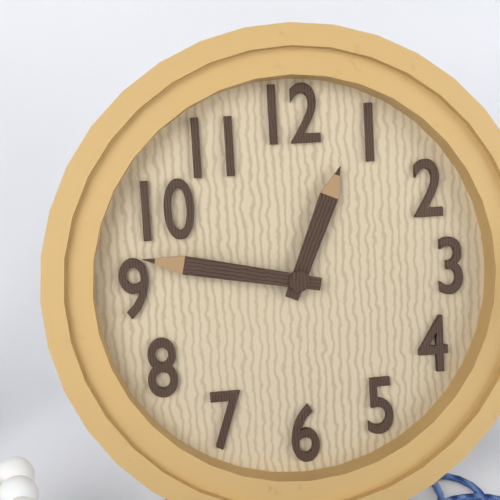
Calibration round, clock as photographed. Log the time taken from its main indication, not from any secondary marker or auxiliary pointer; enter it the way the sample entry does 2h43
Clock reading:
12h47
